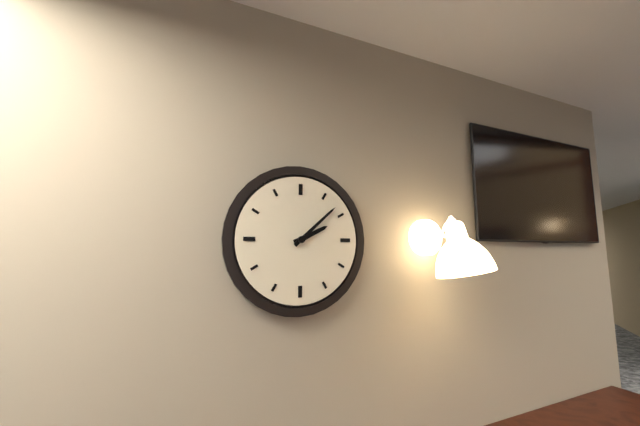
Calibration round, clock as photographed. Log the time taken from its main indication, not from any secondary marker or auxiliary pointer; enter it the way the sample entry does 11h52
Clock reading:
2h08
